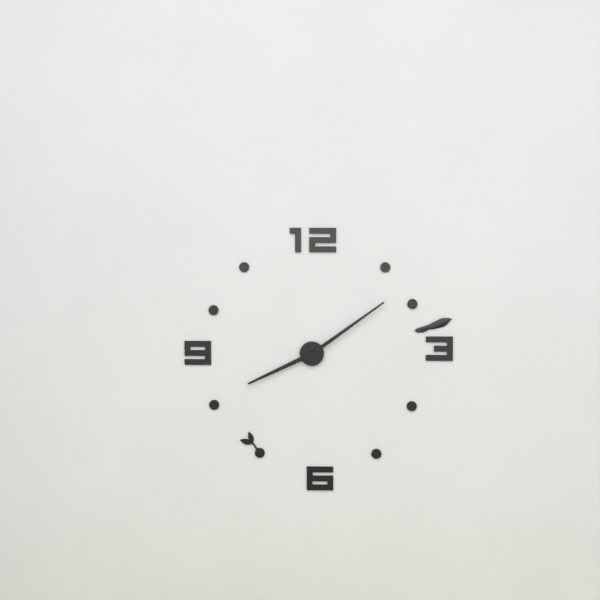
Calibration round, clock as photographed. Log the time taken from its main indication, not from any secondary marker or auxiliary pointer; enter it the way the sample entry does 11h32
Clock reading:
8h09
